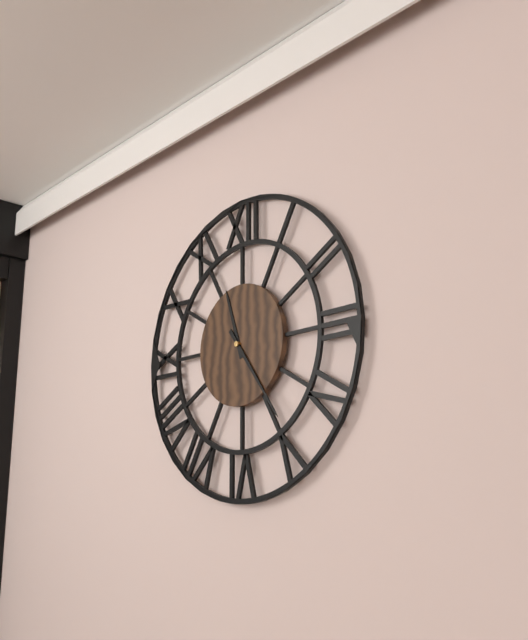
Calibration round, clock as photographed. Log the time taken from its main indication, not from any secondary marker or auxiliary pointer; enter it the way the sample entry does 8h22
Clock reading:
11h24
